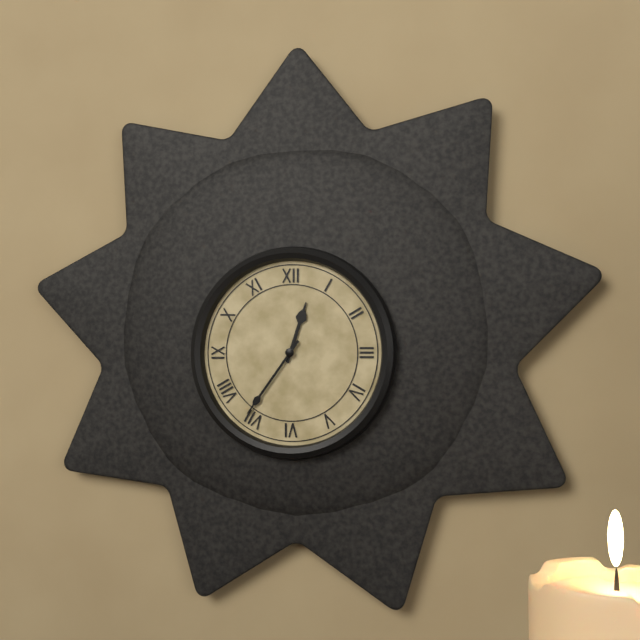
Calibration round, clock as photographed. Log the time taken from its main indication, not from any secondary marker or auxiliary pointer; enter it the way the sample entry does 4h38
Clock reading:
12h36
